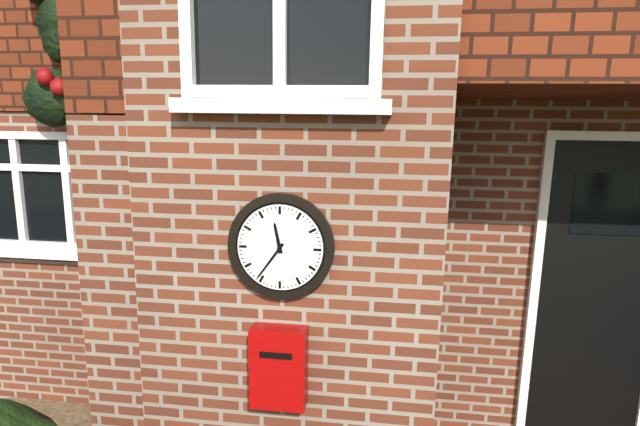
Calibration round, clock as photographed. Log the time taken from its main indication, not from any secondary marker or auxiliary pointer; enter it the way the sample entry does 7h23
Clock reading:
11h36
